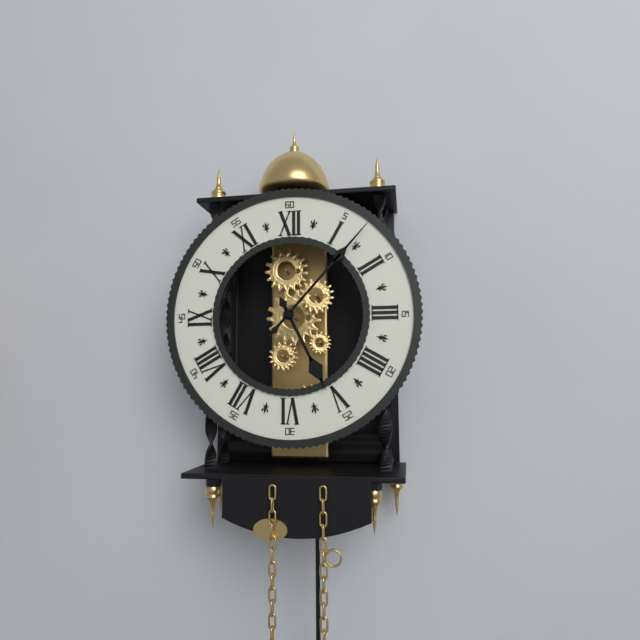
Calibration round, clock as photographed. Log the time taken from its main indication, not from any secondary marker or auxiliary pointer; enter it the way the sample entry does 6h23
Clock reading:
5h07
